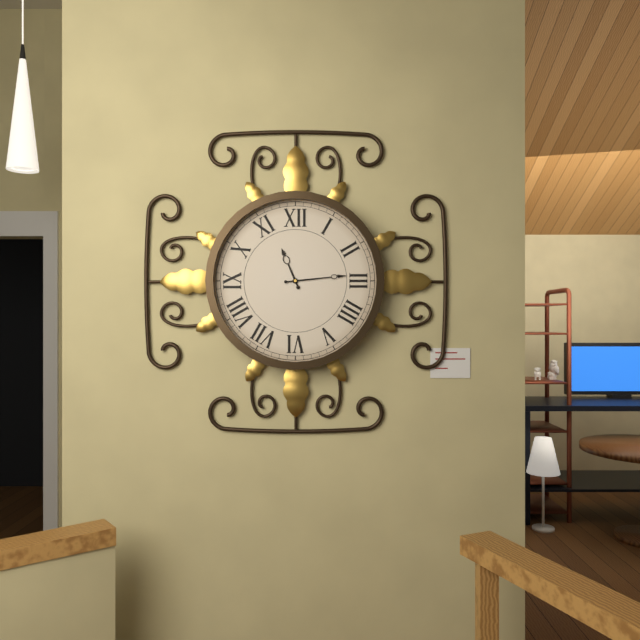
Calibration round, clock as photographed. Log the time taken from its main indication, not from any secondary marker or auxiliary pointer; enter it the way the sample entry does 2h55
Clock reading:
11h14
